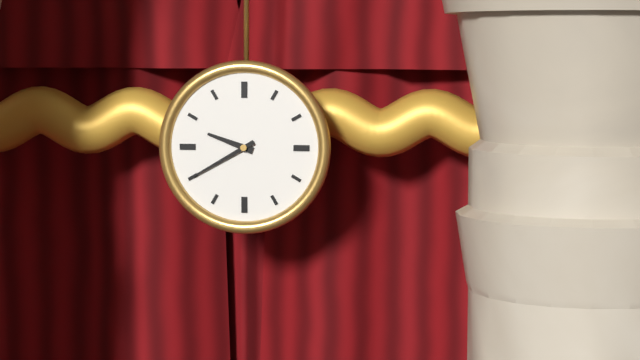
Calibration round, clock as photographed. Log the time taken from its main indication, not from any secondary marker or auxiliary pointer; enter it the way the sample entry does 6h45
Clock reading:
9h40
